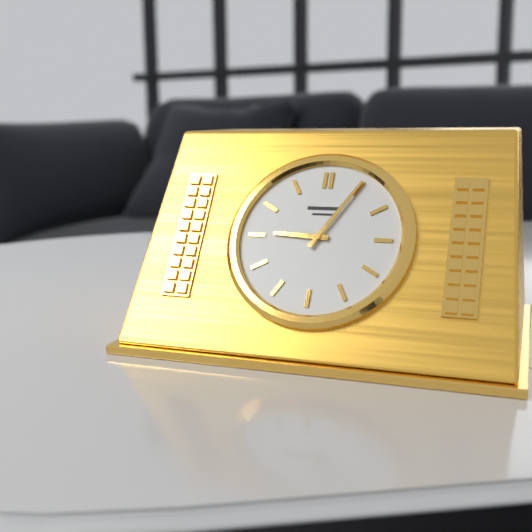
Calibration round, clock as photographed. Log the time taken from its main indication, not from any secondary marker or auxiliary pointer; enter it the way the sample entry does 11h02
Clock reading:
9h05
